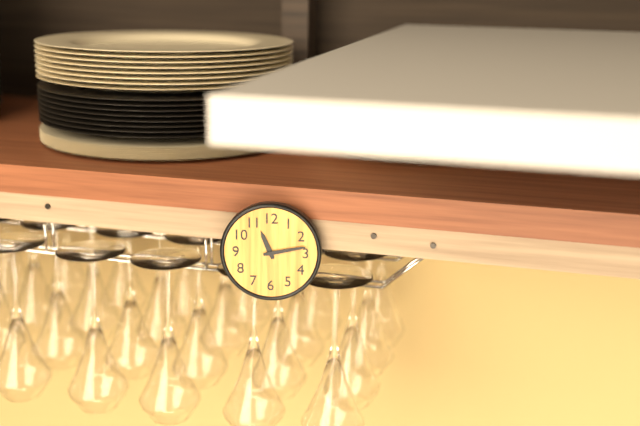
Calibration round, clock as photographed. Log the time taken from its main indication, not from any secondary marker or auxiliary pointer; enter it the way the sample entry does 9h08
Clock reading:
11h13
